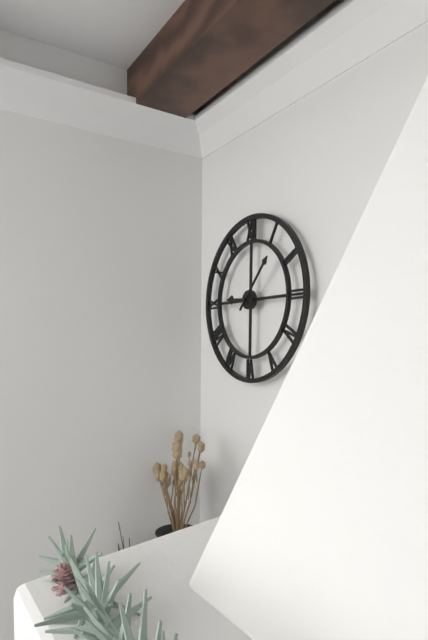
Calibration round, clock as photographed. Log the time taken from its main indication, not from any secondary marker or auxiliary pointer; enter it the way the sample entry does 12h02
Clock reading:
9h07
